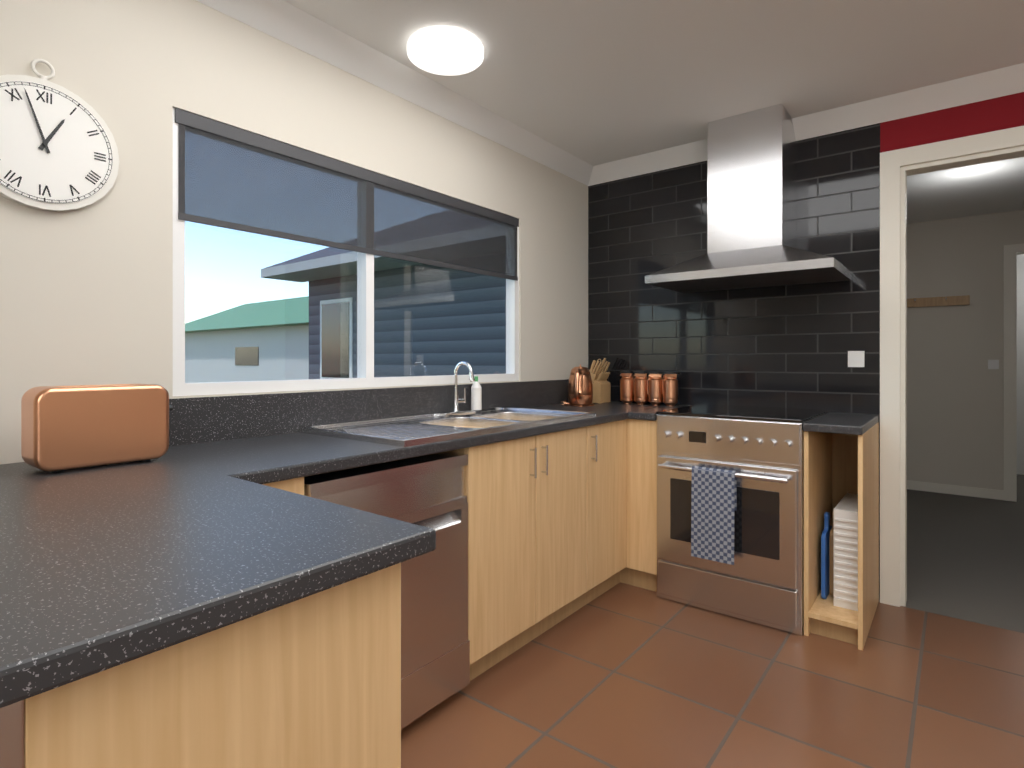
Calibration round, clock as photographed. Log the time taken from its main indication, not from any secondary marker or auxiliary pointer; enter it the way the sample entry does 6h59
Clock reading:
12h57
